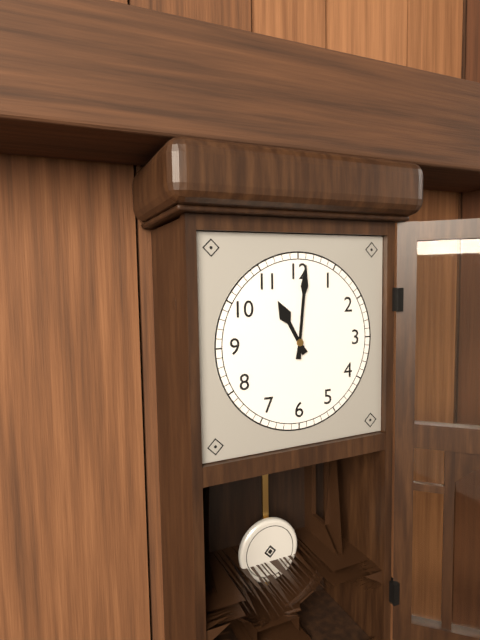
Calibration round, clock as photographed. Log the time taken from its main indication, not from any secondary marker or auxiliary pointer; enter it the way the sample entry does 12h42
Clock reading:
11h01
